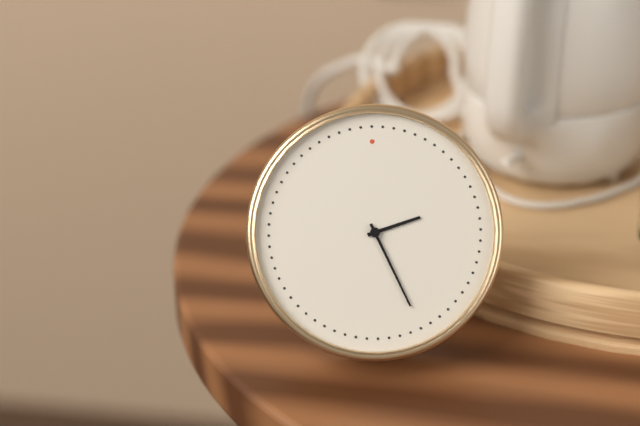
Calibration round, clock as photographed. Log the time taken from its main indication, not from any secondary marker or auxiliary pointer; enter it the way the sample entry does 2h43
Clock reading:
2h26
